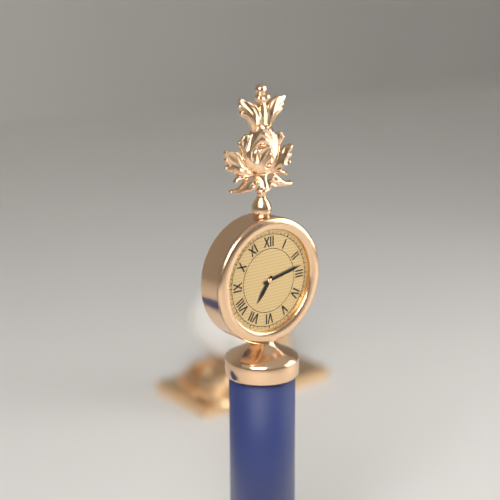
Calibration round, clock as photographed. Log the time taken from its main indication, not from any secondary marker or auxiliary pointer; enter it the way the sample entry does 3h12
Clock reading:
7h13
